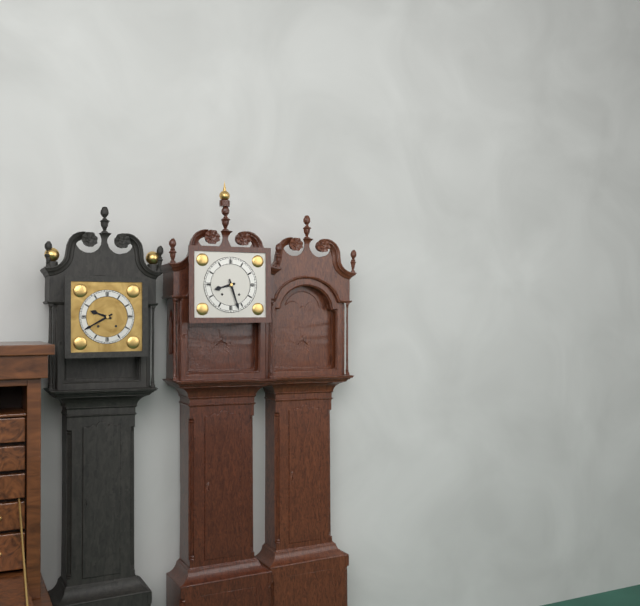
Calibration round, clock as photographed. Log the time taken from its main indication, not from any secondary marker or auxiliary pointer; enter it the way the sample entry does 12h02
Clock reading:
8h27
